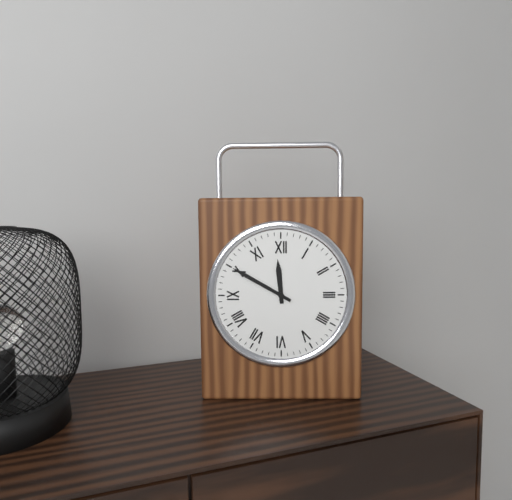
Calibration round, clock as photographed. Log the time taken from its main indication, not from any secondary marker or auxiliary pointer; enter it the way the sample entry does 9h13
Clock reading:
11h50
